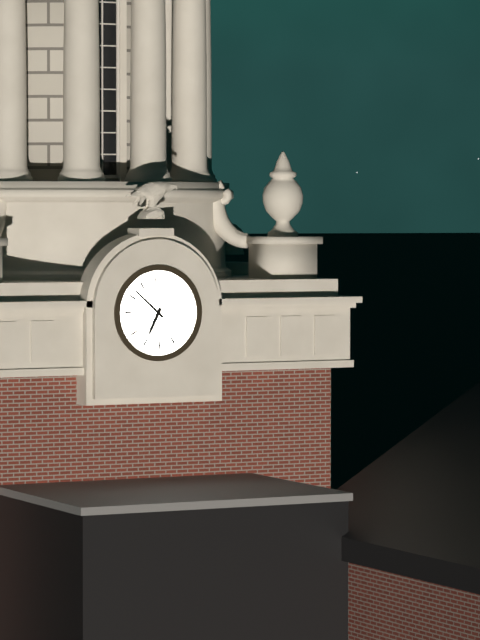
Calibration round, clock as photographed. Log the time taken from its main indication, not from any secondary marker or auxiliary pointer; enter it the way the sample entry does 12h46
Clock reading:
6h52
